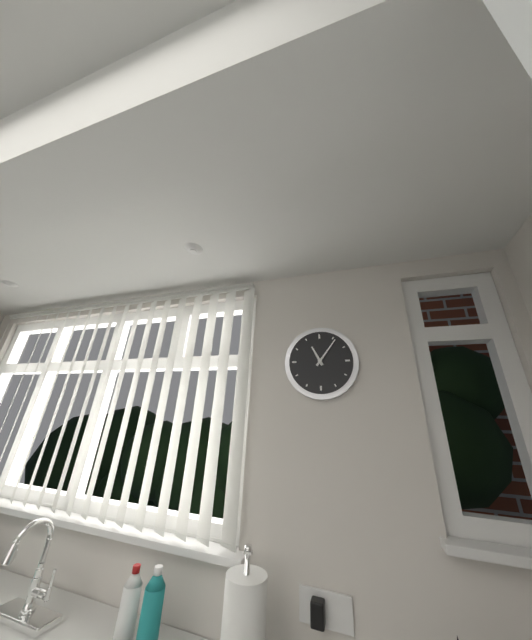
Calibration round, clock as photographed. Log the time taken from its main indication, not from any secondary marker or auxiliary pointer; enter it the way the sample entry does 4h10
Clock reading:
11h06
